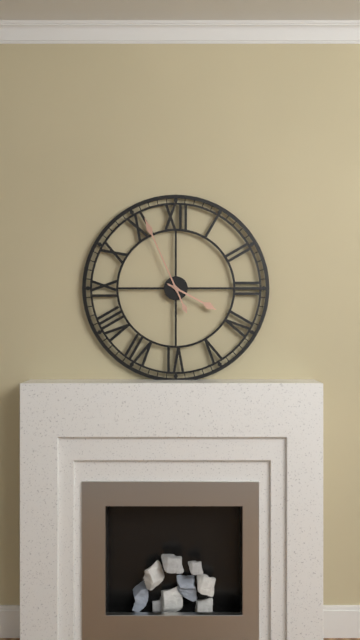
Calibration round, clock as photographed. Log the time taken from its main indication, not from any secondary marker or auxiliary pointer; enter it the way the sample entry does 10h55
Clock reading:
3h56
